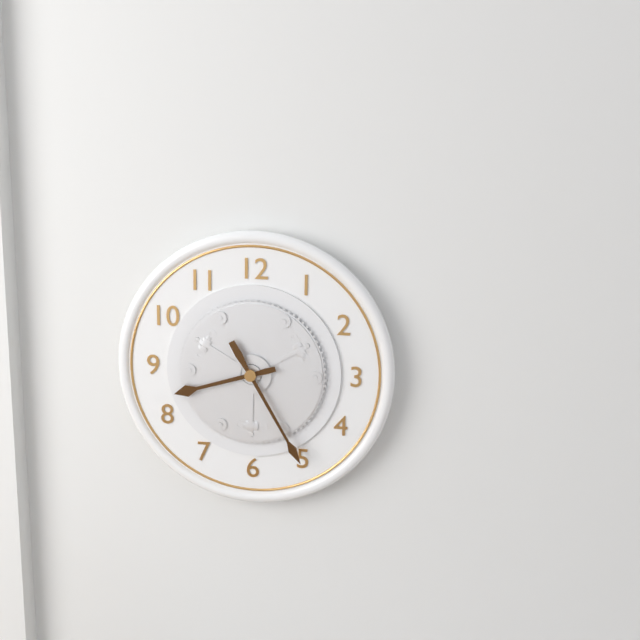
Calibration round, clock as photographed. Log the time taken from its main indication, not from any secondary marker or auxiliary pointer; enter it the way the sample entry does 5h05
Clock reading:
8h25
